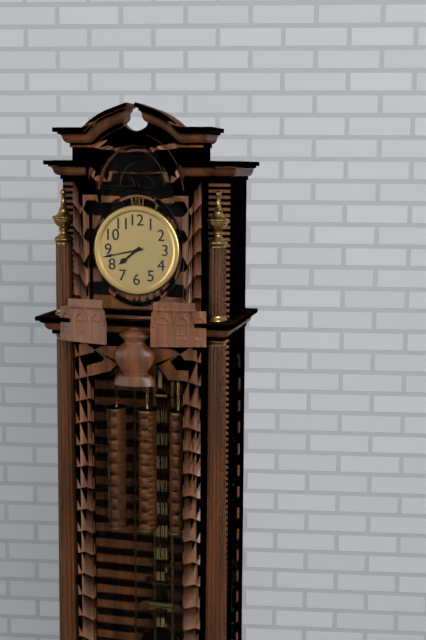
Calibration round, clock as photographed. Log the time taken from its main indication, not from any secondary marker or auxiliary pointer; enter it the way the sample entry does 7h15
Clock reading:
7h43
